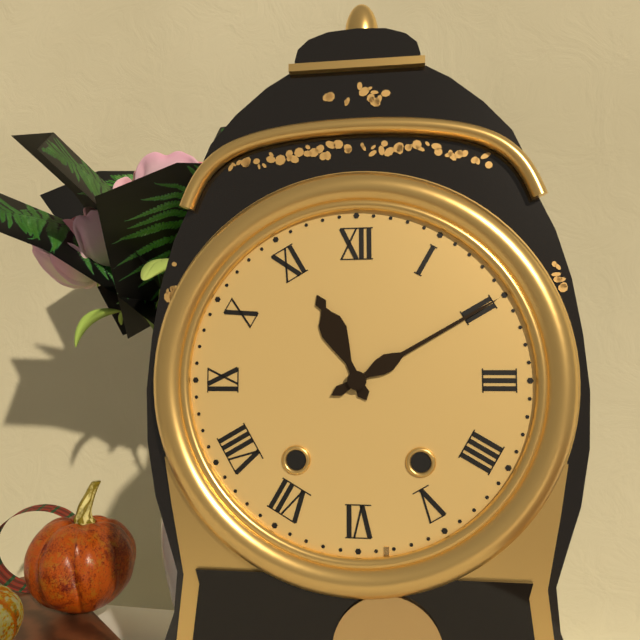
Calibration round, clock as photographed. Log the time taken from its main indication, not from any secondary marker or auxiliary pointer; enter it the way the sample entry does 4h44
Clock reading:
11h10
